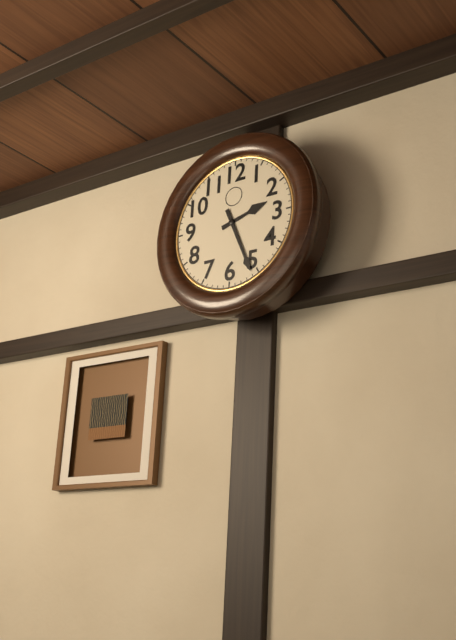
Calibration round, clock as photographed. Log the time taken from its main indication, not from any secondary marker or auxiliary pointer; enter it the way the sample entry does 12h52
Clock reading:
2h26
